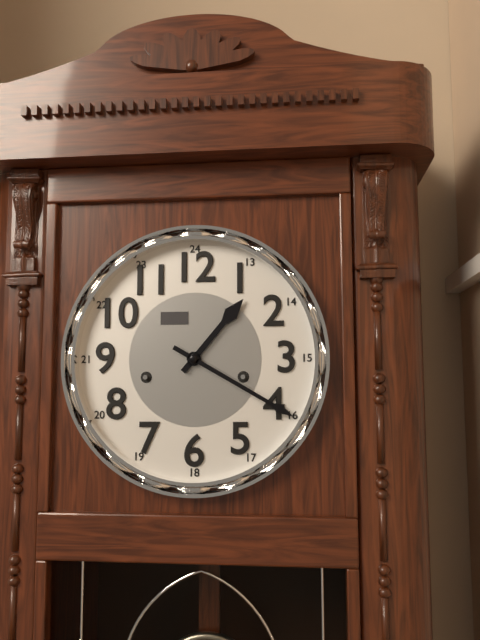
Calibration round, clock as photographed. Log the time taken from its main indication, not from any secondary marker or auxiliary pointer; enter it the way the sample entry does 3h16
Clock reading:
1h20
